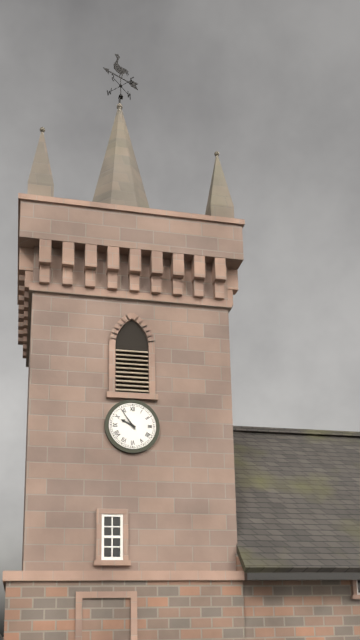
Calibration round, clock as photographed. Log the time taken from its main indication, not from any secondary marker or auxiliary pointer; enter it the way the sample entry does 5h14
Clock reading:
9h54
